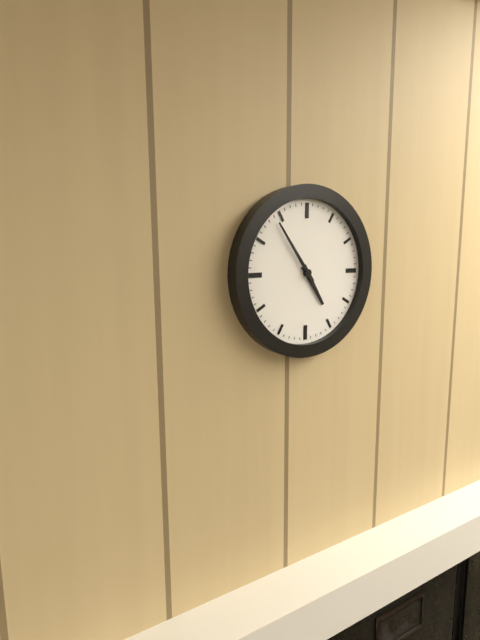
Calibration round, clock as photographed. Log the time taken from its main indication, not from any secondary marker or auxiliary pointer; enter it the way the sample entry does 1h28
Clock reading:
4h54
